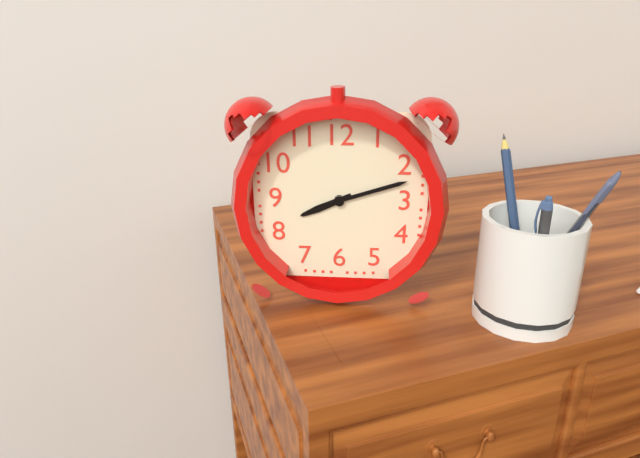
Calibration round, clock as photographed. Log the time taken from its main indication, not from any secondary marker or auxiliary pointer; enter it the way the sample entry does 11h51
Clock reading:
8h12
